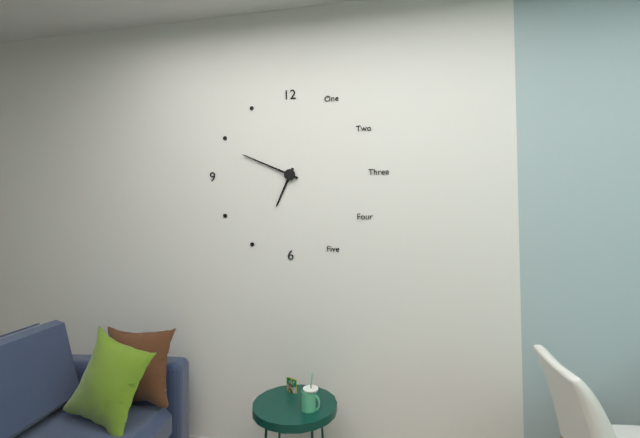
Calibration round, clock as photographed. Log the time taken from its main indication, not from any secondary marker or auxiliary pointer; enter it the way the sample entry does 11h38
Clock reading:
6h49
